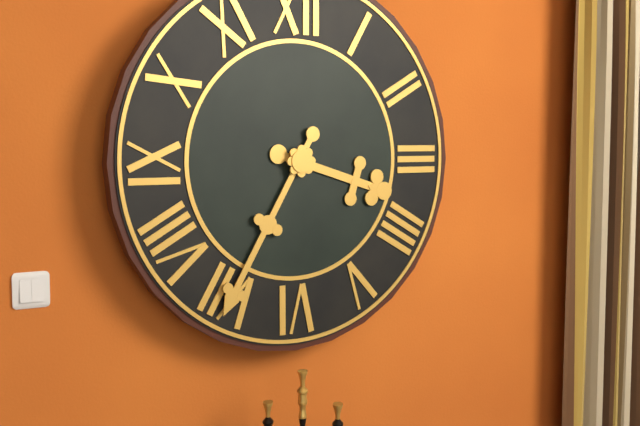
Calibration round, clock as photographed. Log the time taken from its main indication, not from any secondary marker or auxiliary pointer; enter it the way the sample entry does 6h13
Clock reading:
3h35
